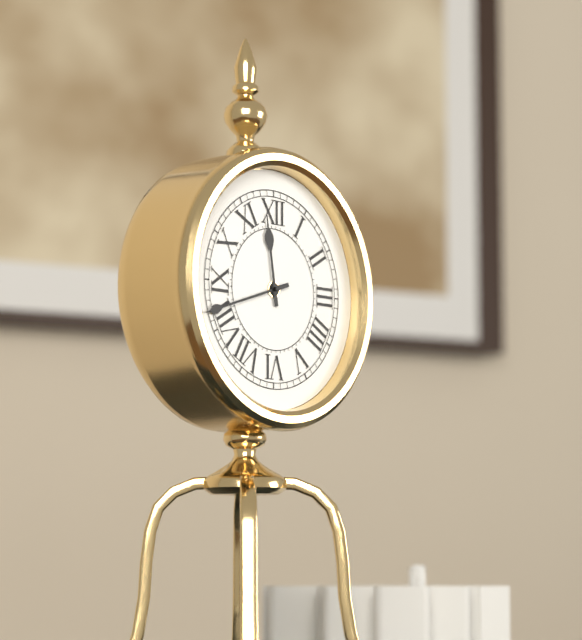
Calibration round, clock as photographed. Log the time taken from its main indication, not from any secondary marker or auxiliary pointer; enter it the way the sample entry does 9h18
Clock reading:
11h42
